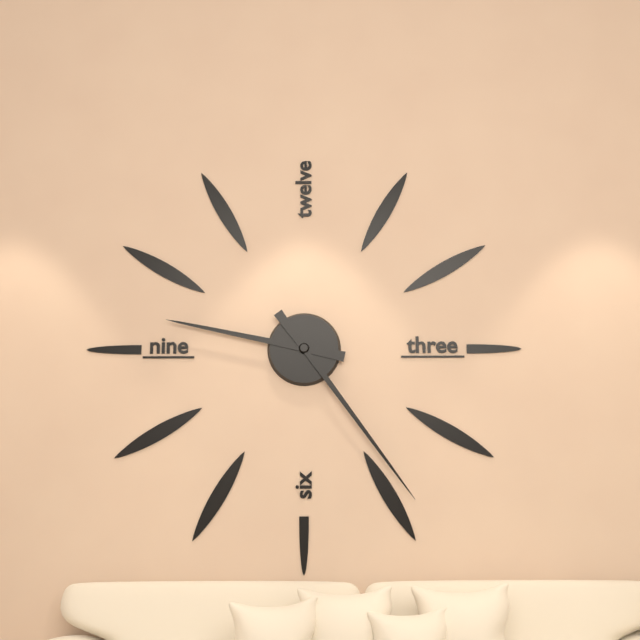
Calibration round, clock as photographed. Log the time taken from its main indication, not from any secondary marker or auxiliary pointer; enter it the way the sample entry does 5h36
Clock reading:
9h24
